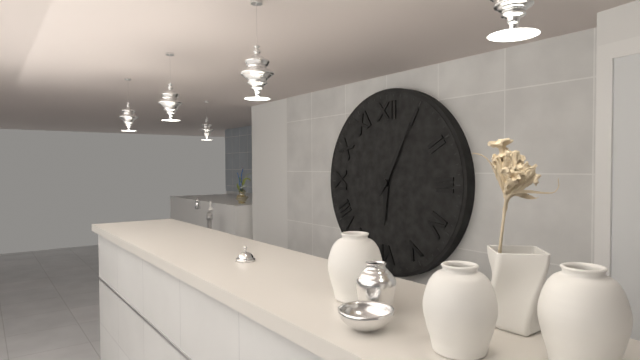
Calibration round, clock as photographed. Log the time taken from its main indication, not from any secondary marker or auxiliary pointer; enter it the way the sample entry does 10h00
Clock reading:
6h05
